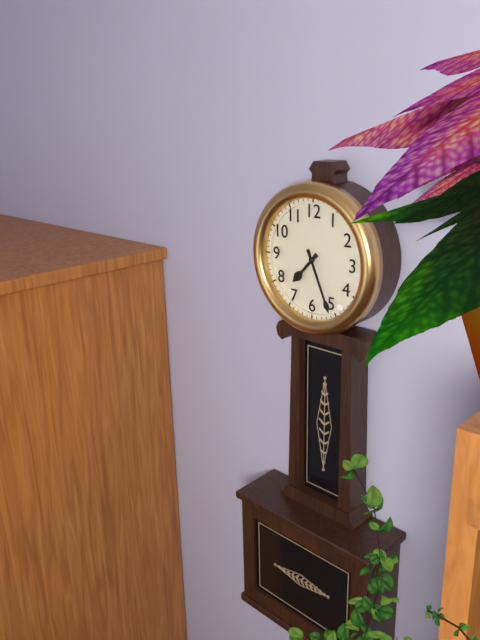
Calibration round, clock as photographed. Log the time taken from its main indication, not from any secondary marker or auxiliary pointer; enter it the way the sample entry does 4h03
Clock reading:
7h26
